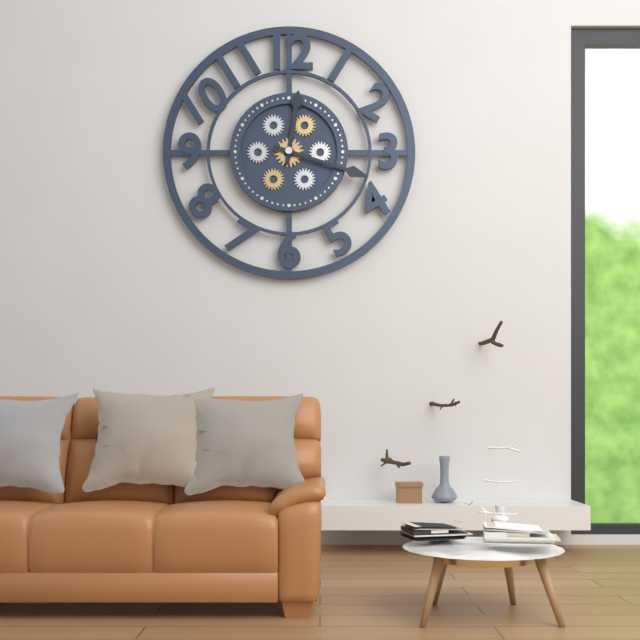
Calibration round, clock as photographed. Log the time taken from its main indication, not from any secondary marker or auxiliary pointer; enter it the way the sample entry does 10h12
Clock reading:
12h18
